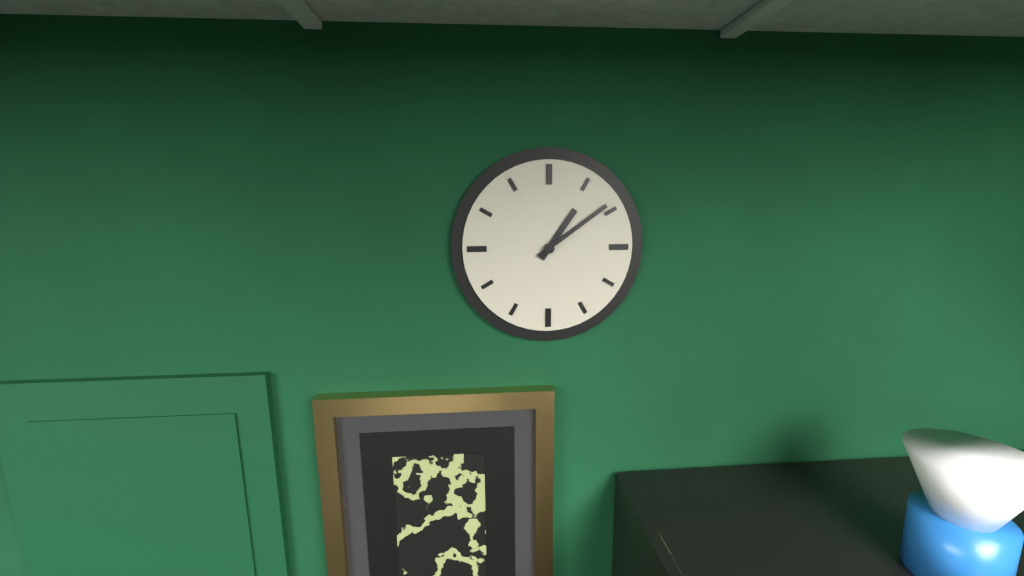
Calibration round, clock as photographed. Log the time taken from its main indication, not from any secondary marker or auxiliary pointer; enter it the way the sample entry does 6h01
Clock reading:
1h09
